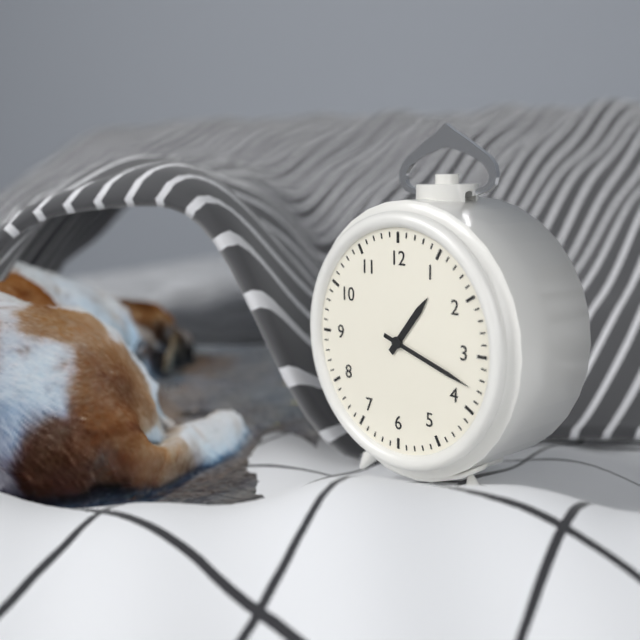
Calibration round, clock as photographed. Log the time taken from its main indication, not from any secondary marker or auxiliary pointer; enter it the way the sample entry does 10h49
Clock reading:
1h18
